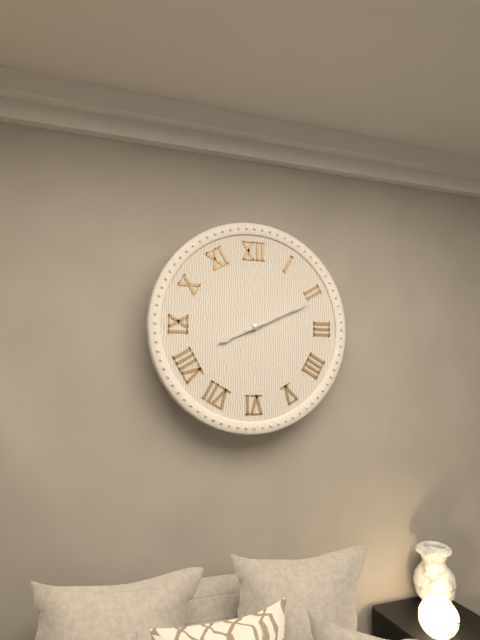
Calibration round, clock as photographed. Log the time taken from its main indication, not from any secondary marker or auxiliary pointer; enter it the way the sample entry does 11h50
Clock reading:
8h11
